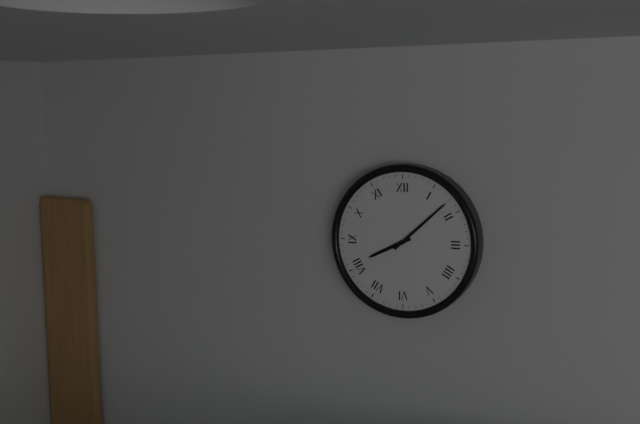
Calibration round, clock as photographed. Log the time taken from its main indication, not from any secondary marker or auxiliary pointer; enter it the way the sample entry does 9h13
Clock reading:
8h08
